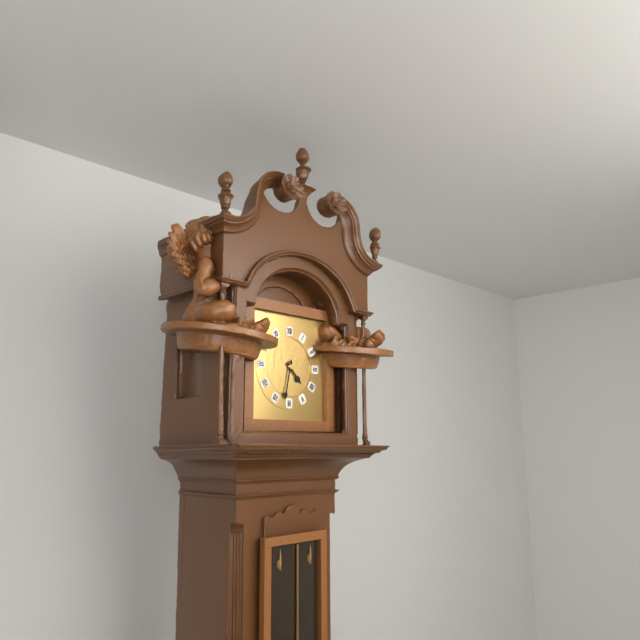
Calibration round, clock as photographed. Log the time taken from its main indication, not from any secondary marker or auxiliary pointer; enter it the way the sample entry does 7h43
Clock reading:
4h32
